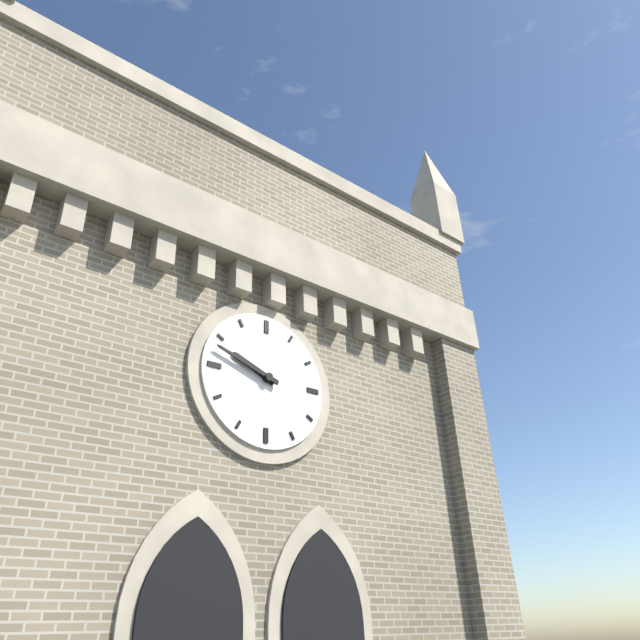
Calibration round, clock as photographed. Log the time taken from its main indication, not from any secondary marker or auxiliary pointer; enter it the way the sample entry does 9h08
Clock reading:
9h48
